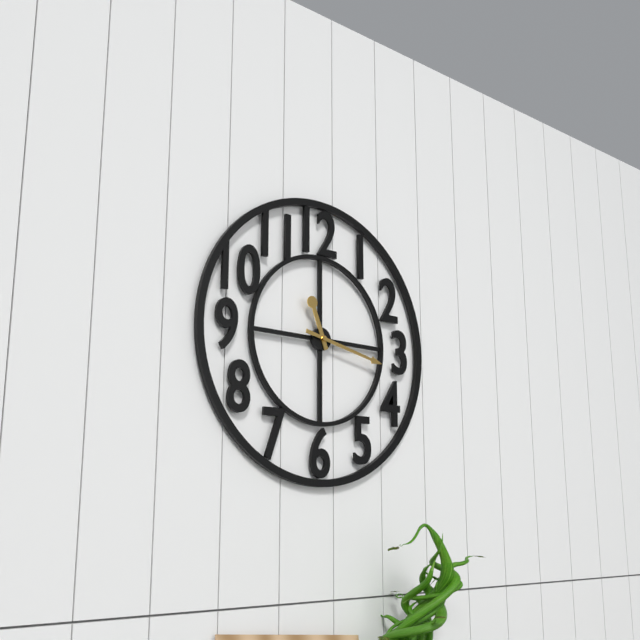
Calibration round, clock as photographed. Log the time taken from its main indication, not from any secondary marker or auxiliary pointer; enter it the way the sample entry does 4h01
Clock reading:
11h17
